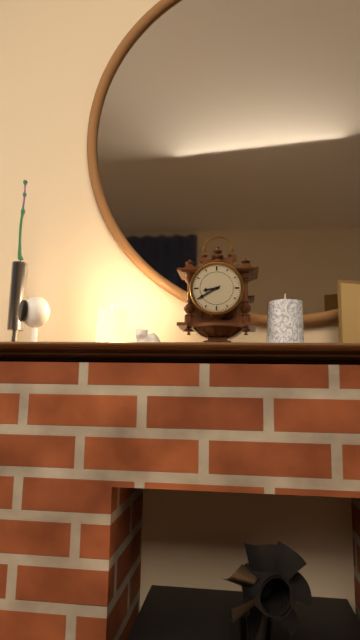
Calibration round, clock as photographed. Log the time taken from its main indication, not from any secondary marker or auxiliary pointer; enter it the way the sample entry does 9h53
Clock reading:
8h40
